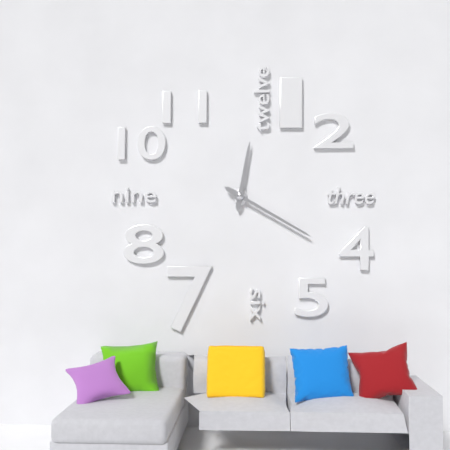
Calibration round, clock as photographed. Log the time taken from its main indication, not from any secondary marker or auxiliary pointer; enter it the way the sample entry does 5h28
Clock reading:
12h20
